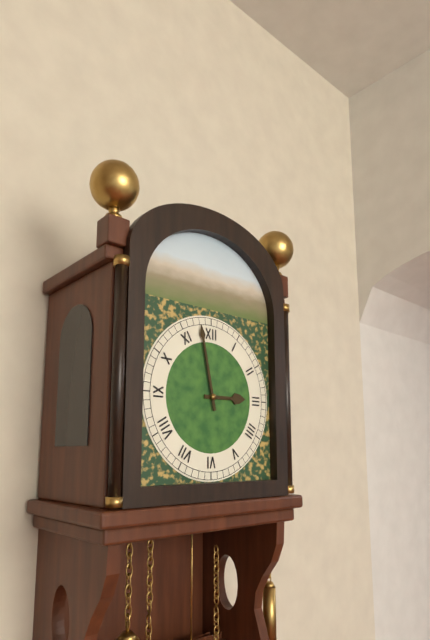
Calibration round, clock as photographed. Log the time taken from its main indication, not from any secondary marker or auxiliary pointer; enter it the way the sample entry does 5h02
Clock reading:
2h58
